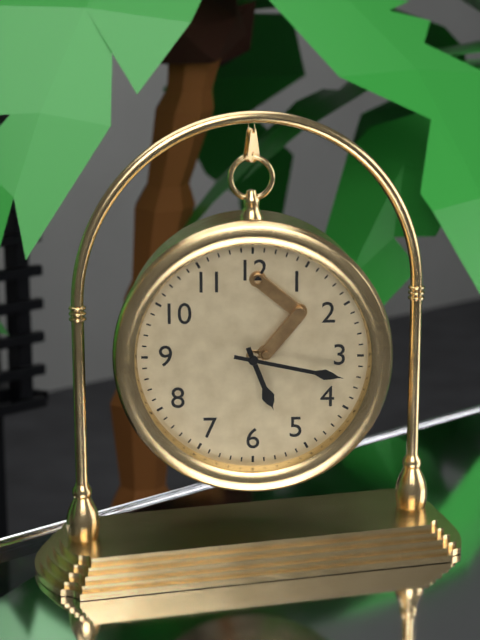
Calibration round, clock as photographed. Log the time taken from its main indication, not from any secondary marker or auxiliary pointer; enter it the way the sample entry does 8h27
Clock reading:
5h17
